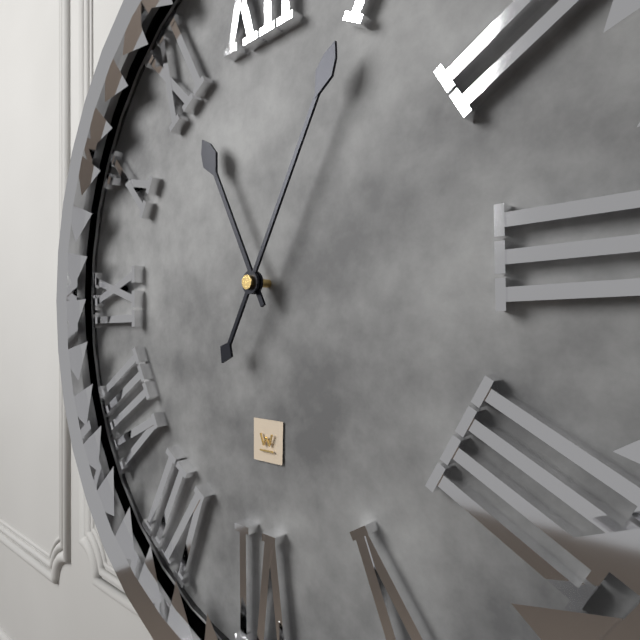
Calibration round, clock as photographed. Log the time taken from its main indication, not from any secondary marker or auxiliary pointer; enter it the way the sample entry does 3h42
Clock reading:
11h05
